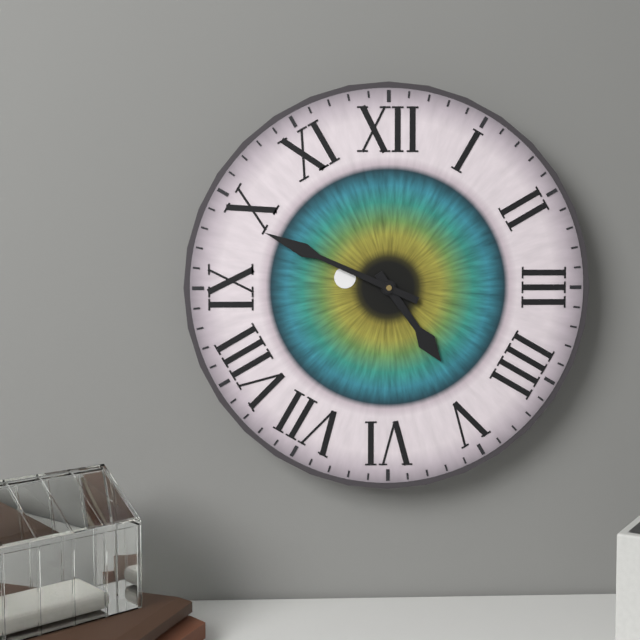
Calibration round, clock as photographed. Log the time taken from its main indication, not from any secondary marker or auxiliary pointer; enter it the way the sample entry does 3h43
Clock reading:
4h49
